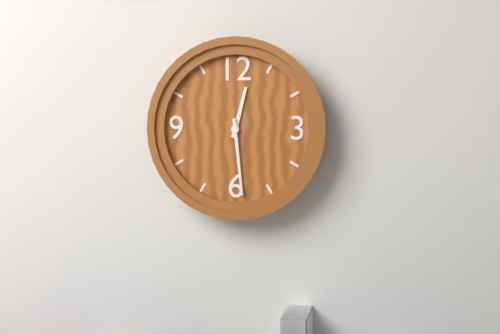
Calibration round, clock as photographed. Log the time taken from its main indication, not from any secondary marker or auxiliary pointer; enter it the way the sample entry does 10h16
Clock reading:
12h29
